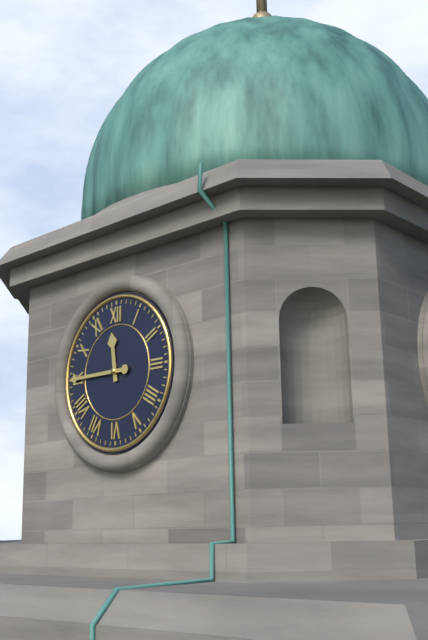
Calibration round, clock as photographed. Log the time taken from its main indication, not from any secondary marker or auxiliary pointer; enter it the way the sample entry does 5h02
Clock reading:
11h45
